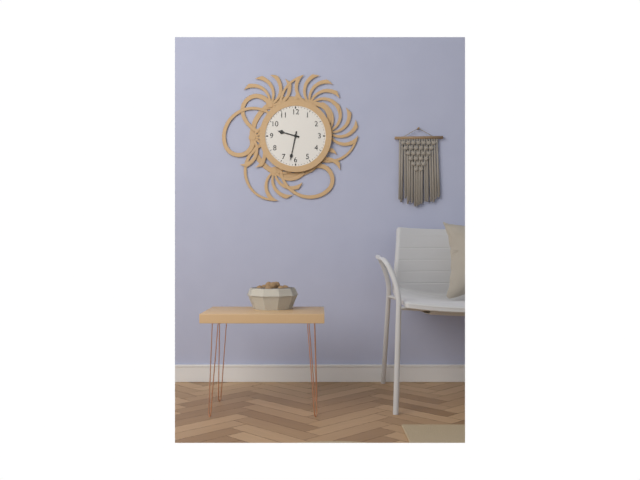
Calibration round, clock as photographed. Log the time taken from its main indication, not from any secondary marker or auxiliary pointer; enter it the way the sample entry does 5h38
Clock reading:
9h32
